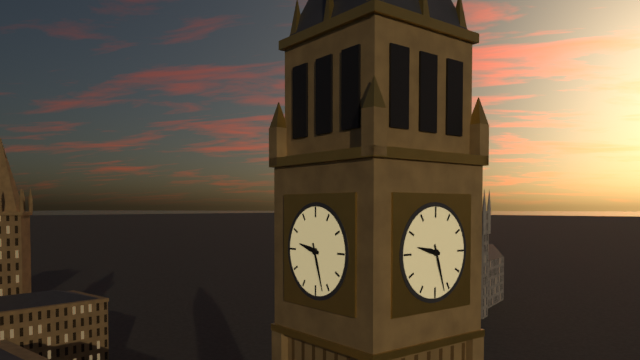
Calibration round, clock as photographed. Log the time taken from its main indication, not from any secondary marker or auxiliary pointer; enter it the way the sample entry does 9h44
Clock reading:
9h27
